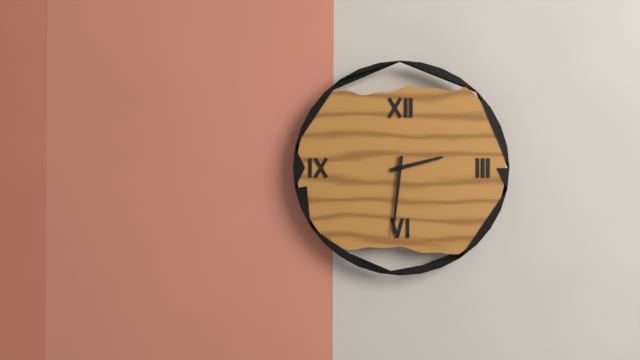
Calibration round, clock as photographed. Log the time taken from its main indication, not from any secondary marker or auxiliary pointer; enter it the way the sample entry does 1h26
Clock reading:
2h31
